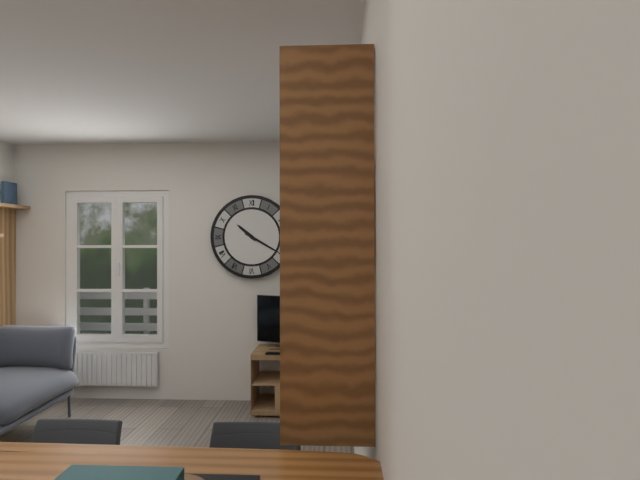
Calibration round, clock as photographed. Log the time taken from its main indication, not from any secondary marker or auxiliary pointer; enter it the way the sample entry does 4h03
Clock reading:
10h20
